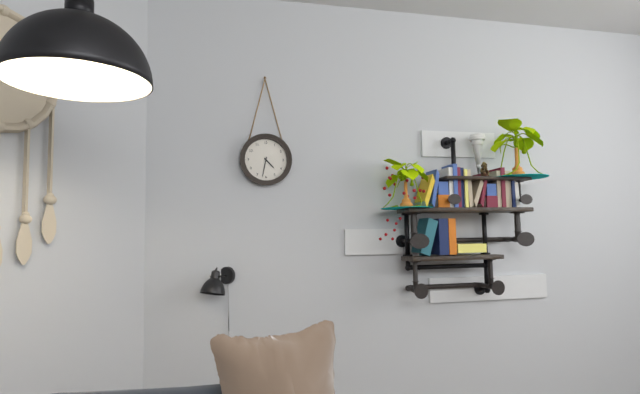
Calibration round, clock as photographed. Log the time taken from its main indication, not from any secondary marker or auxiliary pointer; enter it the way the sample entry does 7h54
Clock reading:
4h32
